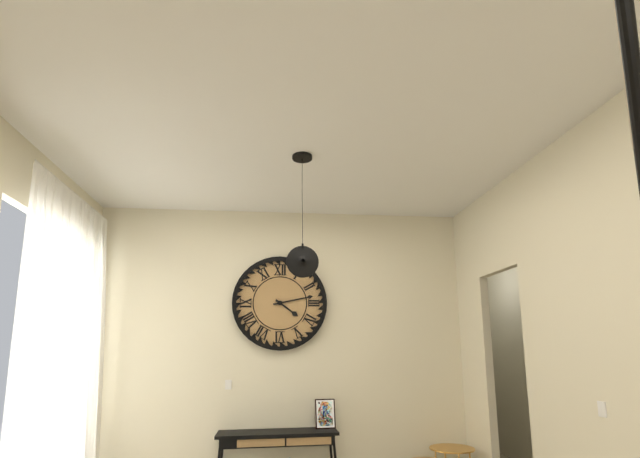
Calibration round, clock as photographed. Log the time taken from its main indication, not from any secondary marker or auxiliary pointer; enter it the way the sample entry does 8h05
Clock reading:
4h13
